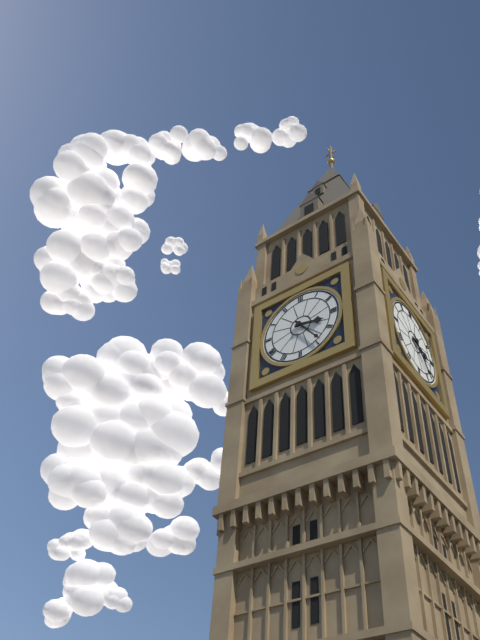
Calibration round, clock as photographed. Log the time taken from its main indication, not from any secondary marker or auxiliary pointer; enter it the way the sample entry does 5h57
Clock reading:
3h24
